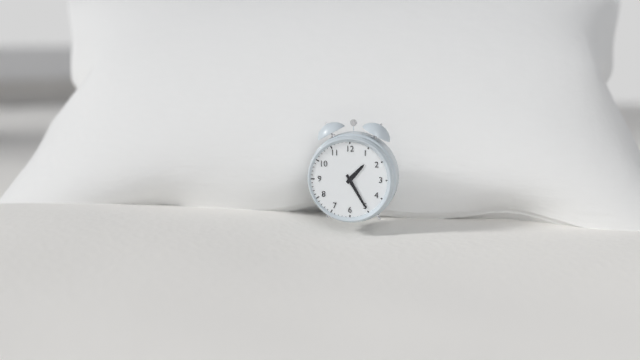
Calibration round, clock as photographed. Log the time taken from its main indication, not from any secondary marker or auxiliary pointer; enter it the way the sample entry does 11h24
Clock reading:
1h25
